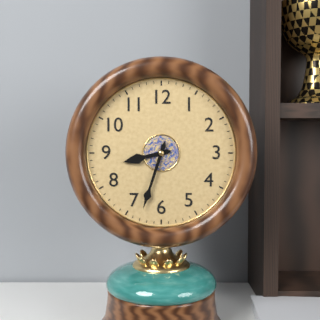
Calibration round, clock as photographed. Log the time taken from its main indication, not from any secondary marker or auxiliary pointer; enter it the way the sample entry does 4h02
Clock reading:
8h33
